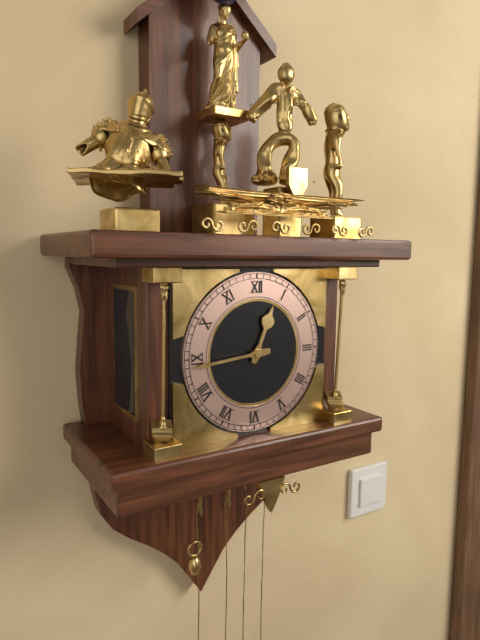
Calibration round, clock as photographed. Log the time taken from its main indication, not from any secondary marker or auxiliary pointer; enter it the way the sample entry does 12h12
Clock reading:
12h44
